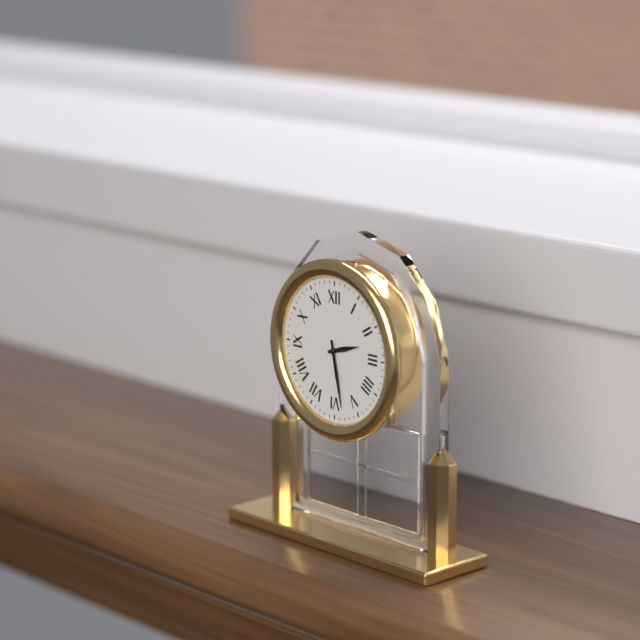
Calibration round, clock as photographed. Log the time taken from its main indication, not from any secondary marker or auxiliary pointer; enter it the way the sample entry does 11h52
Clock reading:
2h28
